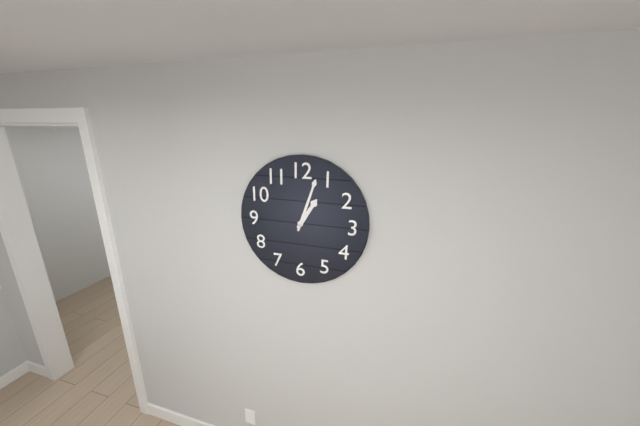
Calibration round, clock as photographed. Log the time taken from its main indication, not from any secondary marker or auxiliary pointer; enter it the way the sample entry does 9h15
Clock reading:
1h03
